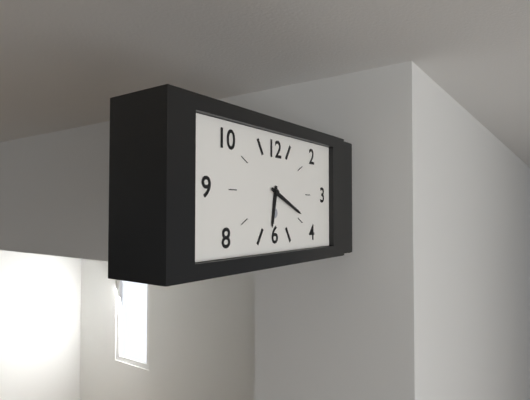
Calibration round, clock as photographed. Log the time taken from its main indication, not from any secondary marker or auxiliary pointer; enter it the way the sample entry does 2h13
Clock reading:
6h19
